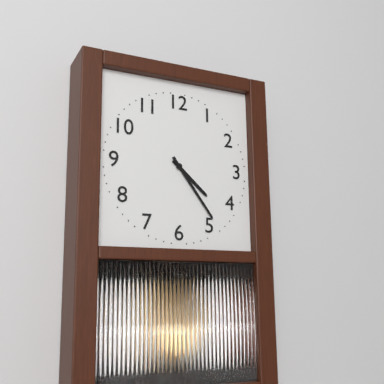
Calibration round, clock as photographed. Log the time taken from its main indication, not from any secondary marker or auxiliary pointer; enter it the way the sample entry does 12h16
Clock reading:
4h24
